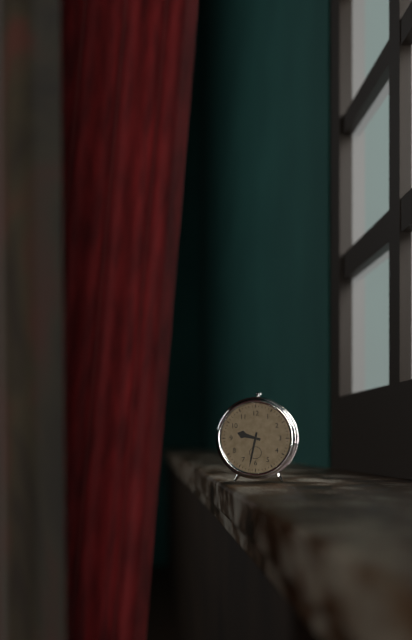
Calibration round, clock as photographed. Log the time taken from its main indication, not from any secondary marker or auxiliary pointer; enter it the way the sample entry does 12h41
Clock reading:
9h32
